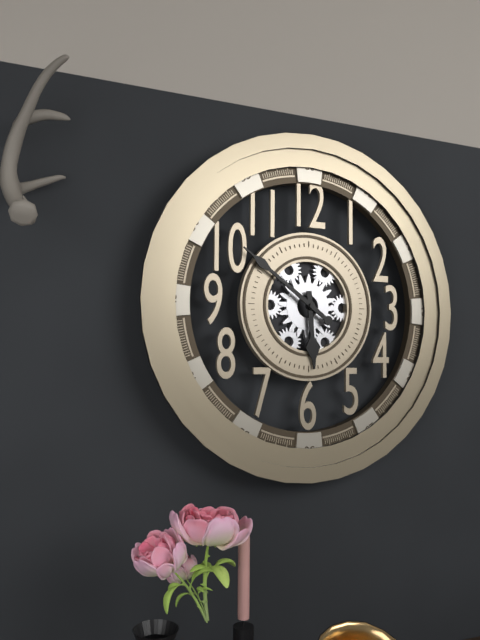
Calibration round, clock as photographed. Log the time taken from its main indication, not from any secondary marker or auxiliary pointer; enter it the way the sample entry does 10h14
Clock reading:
5h51
